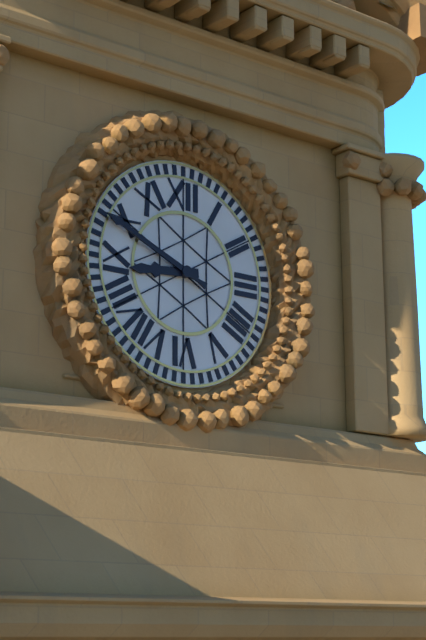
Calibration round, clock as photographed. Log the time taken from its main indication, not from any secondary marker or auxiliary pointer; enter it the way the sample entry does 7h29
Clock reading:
8h49
